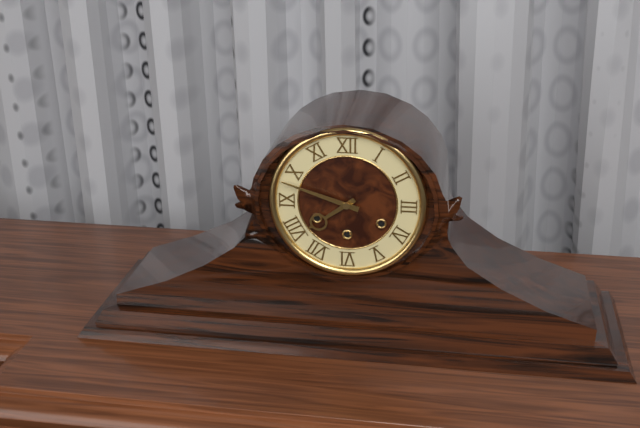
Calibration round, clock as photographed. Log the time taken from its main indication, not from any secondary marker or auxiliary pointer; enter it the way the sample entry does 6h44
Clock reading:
7h48
